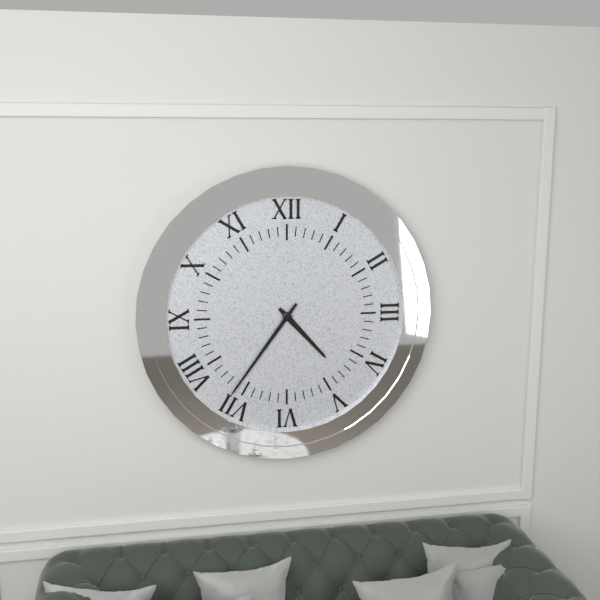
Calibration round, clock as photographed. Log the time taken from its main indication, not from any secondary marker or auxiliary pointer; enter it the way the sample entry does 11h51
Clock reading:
4h36
